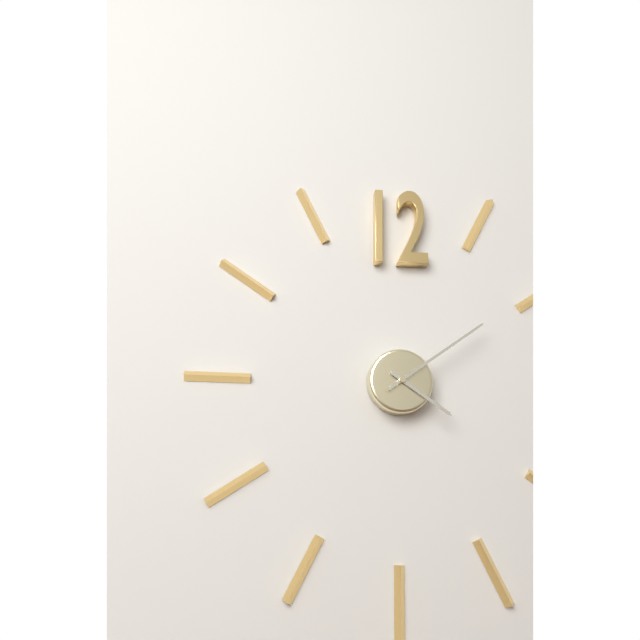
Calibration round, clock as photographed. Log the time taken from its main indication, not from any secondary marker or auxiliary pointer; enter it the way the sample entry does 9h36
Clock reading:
4h09
